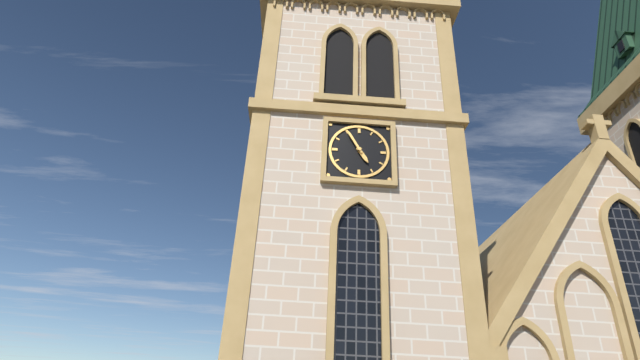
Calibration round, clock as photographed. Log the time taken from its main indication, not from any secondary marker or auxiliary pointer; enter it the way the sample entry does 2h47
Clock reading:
4h55
